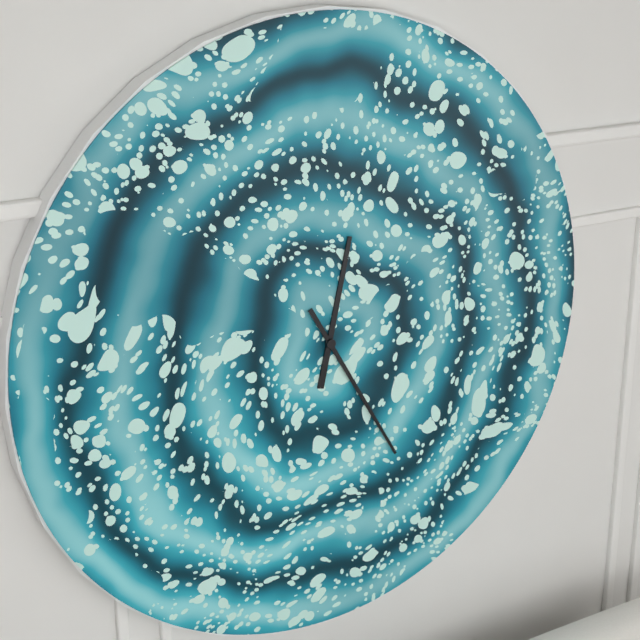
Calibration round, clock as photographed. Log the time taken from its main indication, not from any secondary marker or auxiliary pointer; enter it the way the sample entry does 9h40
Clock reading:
12h25
